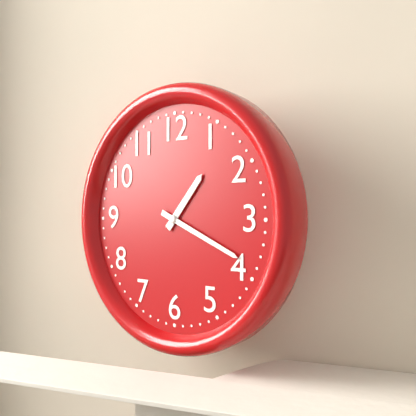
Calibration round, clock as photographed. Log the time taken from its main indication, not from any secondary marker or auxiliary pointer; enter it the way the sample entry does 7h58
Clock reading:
1h19
